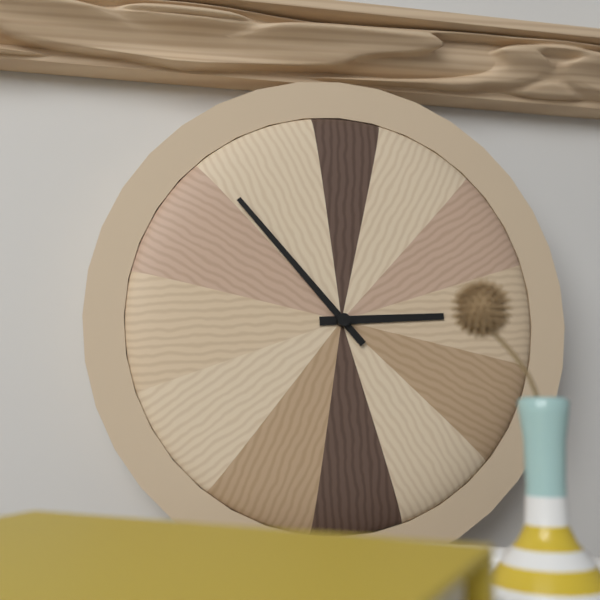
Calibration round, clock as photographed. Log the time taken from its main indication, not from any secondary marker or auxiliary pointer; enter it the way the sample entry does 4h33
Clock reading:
2h53
